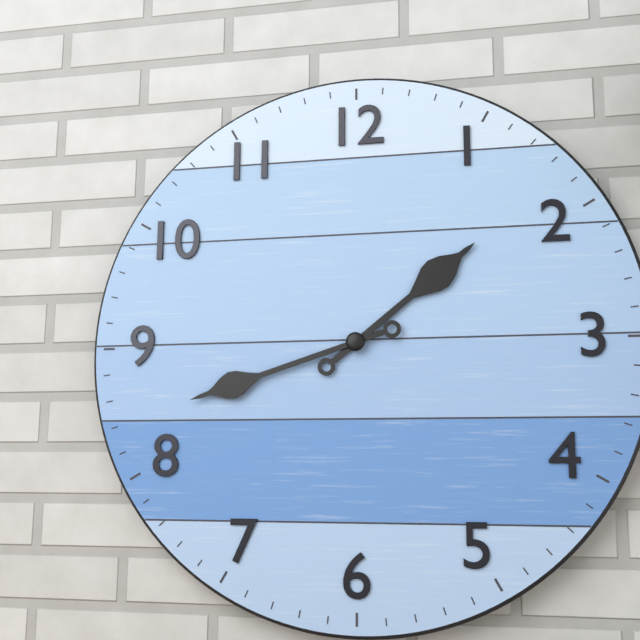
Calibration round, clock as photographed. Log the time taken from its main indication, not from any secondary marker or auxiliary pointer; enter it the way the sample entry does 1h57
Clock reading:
1h42
